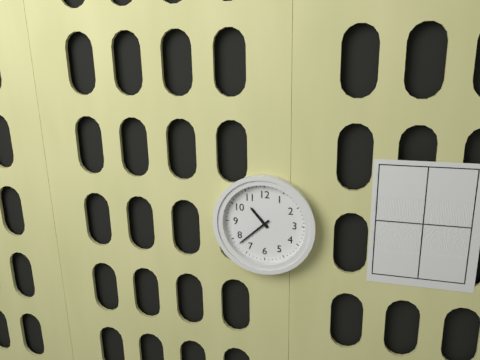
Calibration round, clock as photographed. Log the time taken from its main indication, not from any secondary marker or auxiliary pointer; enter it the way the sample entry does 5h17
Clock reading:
10h38
